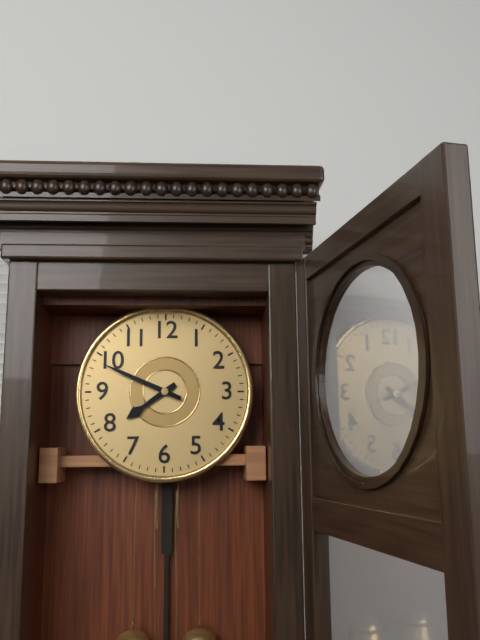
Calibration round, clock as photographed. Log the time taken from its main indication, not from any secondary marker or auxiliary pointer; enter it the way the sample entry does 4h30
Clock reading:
7h49
